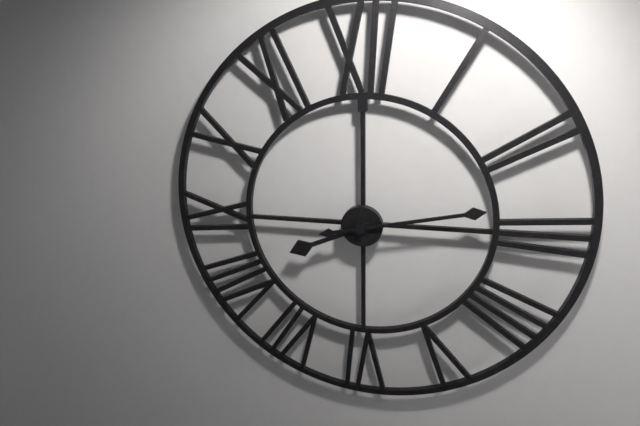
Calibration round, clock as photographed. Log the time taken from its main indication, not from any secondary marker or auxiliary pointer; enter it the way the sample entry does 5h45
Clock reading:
8h13
